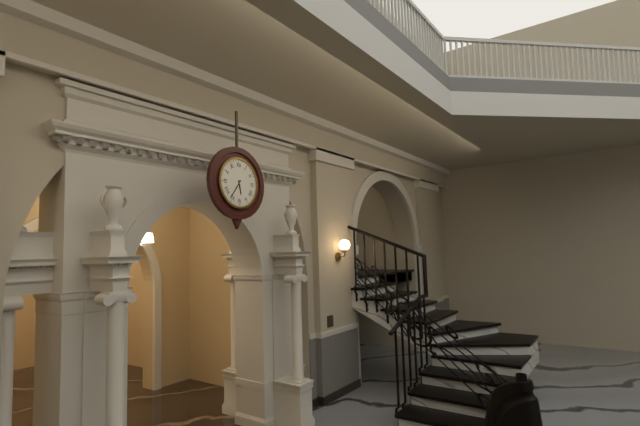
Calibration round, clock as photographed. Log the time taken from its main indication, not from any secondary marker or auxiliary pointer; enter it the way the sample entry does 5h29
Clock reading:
5h36
